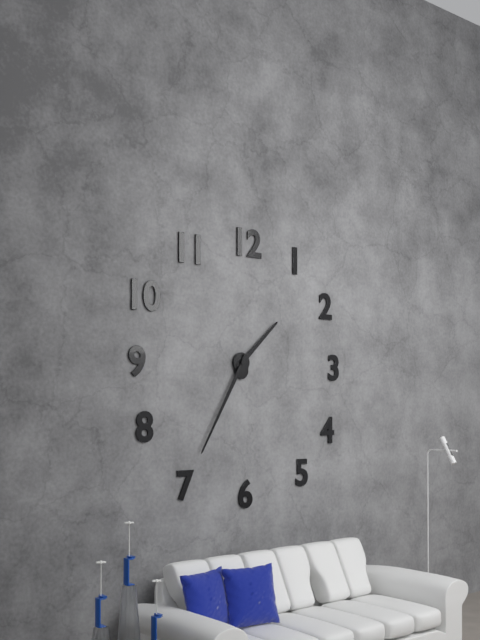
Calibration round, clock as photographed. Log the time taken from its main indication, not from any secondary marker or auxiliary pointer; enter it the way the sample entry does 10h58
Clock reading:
1h35
